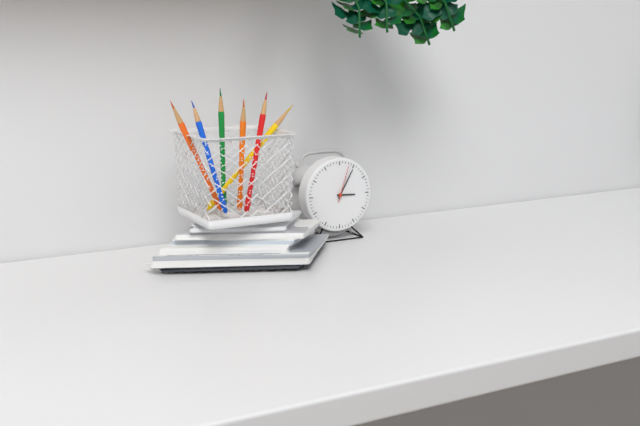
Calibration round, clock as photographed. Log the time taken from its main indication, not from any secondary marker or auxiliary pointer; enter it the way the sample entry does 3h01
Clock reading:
3h05
